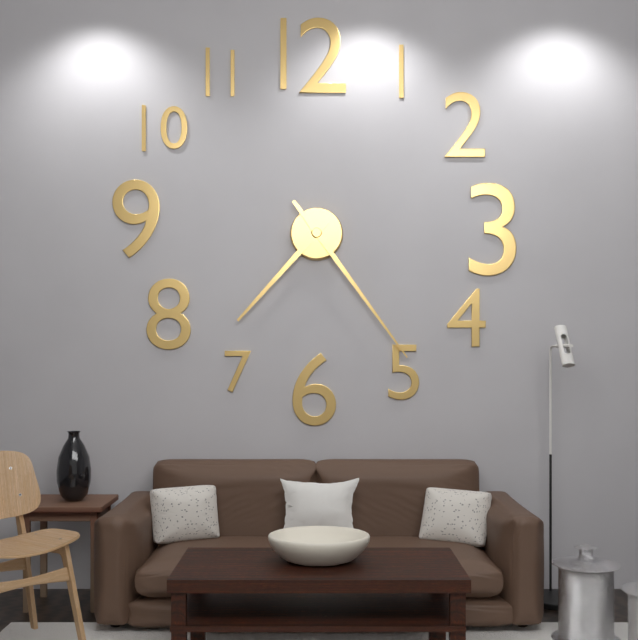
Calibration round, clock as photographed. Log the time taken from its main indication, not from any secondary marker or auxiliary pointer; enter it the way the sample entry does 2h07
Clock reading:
7h24
